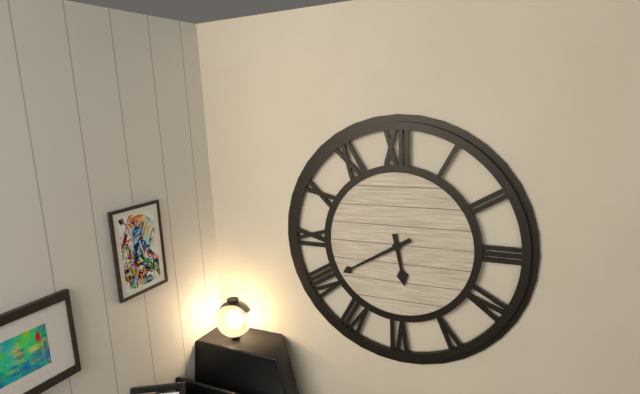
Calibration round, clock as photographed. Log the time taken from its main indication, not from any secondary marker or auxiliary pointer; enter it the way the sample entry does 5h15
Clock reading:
5h40
